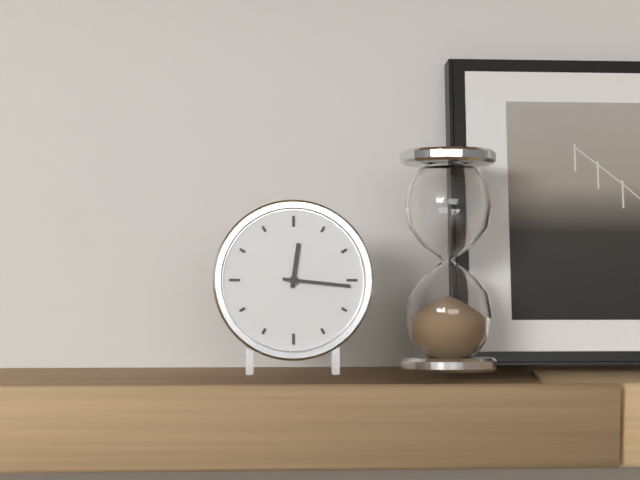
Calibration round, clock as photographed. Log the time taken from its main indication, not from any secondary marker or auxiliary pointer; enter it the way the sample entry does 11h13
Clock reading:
12h16
